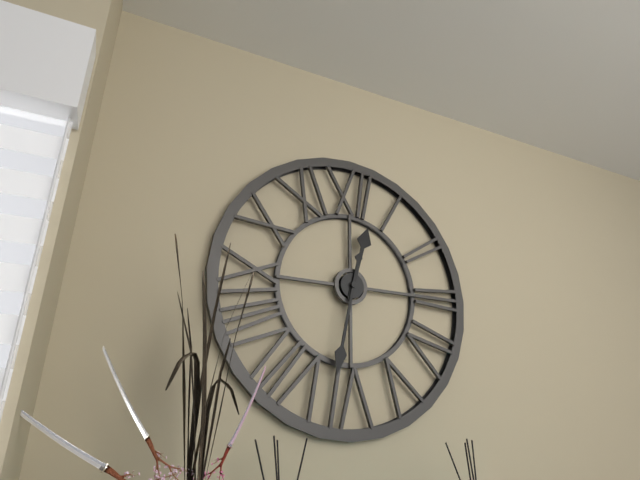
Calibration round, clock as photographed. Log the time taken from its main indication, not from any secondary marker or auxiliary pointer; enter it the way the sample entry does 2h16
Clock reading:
12h32
